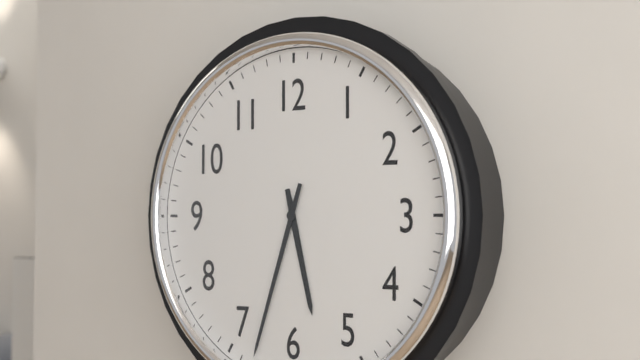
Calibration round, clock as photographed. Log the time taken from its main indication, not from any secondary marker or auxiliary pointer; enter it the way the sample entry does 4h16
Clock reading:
5h33
